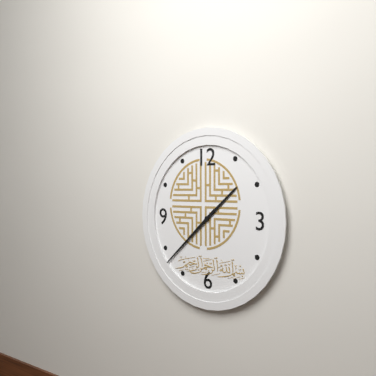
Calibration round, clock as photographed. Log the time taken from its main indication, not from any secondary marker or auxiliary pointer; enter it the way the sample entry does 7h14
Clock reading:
1h38
